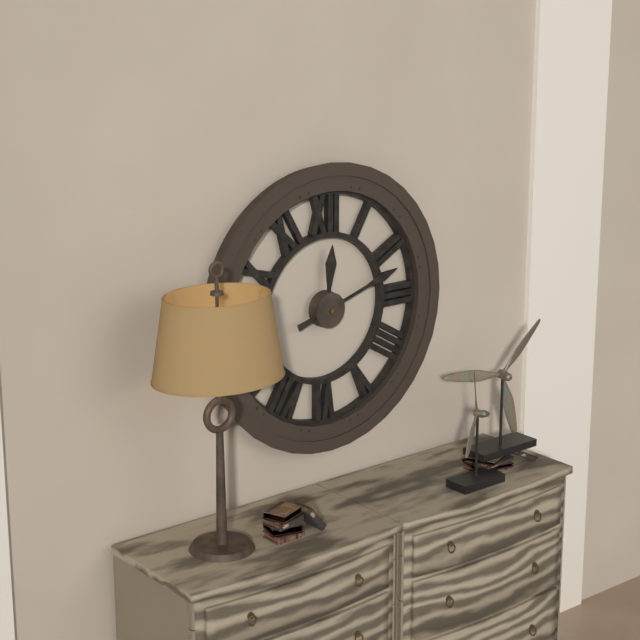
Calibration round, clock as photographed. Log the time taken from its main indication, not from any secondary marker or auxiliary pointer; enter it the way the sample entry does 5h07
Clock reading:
12h12
